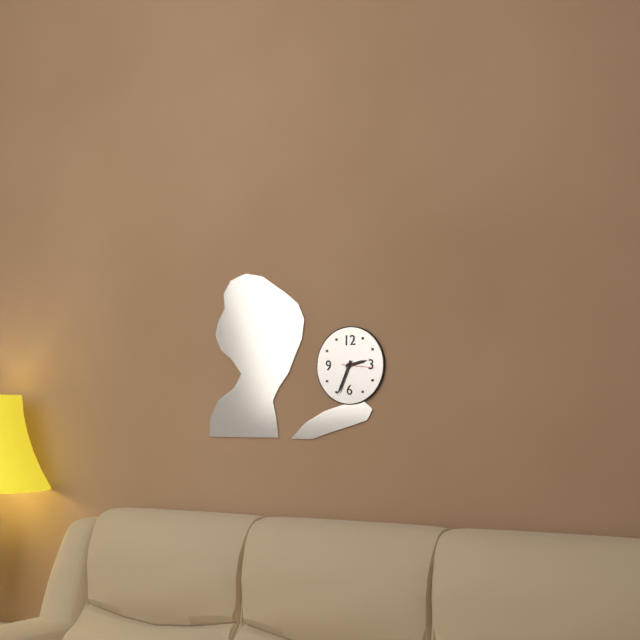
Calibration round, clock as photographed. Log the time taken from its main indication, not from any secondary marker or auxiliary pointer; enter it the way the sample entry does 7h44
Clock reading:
2h34
